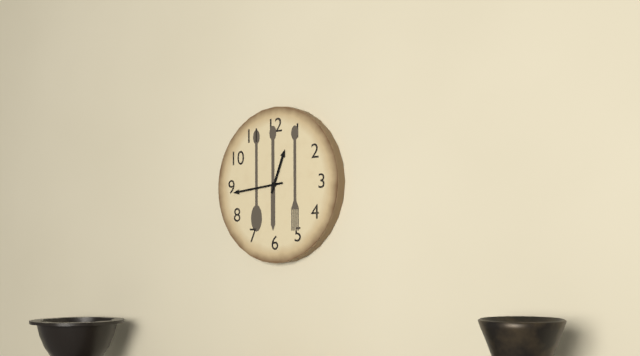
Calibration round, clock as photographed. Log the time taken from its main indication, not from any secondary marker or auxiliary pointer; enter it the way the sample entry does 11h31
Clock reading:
12h44
